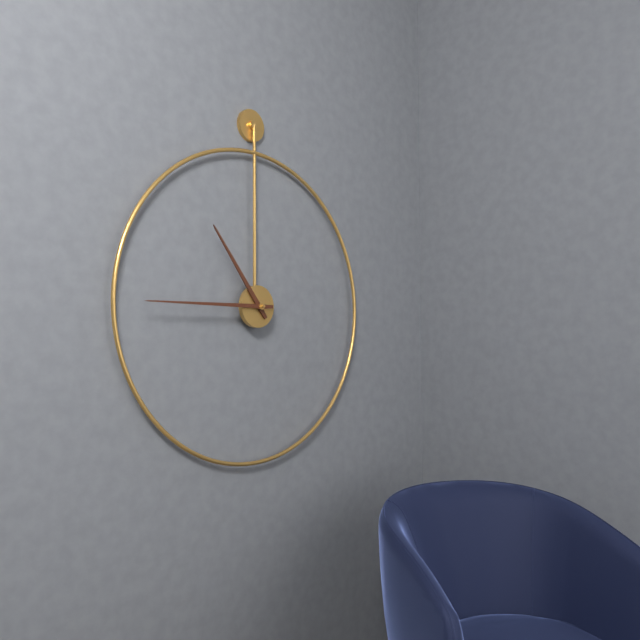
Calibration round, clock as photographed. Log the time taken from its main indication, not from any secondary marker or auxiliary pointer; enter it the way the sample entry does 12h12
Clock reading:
10h45
